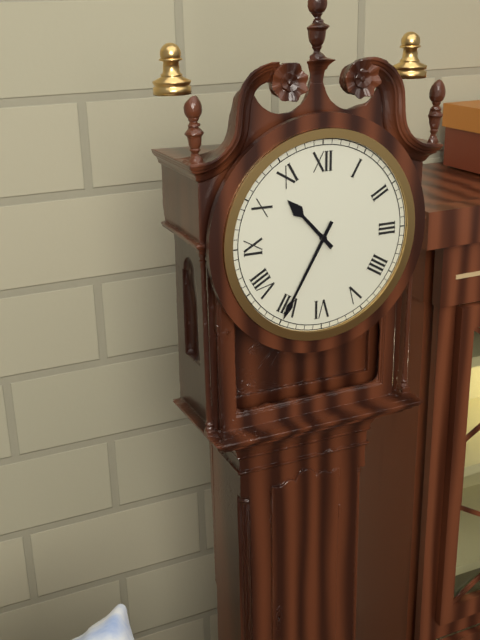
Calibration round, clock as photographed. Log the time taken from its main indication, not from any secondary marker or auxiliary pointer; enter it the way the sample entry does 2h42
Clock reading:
10h35
